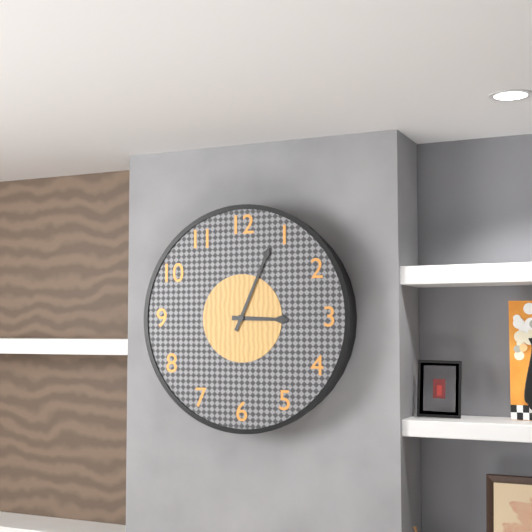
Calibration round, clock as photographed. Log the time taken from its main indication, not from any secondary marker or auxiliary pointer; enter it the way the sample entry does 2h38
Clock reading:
3h04
